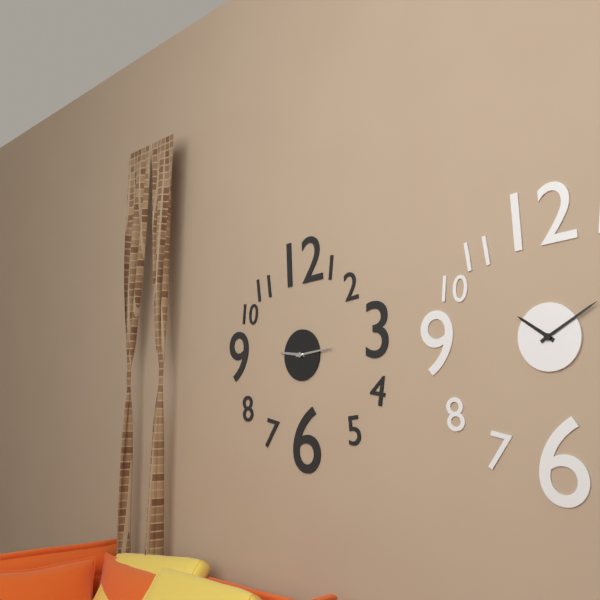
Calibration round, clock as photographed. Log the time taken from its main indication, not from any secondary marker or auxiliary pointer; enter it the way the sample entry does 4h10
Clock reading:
9h14
